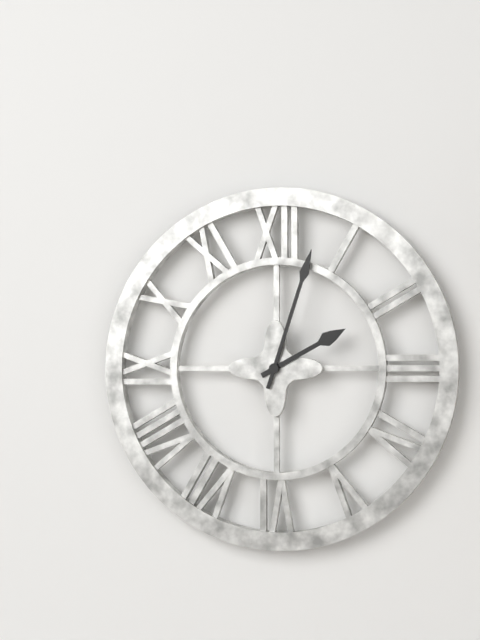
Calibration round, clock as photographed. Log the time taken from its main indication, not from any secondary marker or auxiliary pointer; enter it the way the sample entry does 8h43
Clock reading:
2h03
